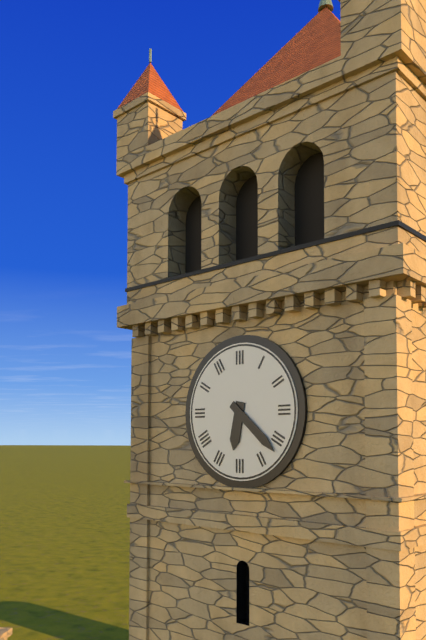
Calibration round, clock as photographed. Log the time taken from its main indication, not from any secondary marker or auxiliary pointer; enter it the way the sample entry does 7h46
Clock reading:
6h22
